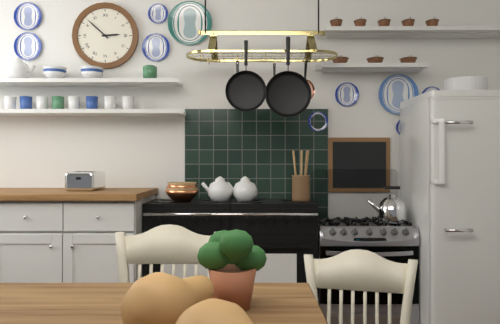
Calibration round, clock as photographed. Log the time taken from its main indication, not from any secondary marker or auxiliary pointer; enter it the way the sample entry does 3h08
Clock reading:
2h52
